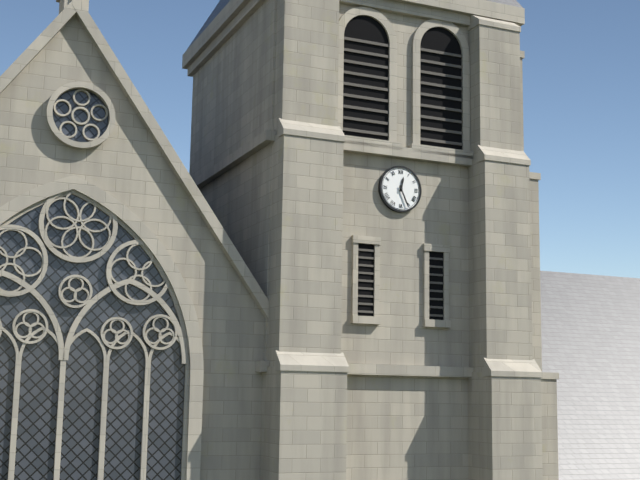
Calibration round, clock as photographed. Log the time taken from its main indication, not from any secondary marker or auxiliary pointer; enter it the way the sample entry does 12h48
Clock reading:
12h26
